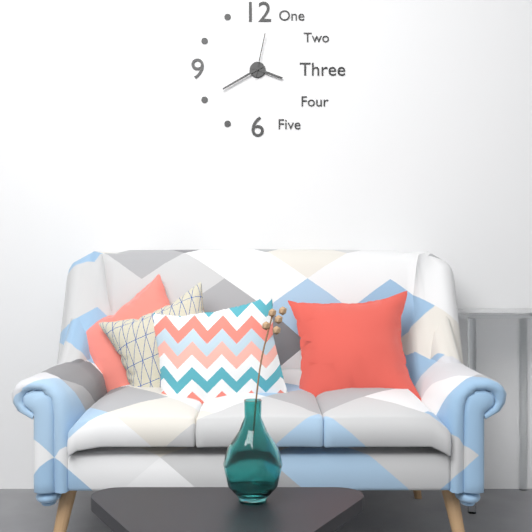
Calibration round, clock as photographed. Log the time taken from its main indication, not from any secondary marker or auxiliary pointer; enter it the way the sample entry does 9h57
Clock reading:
3h40
